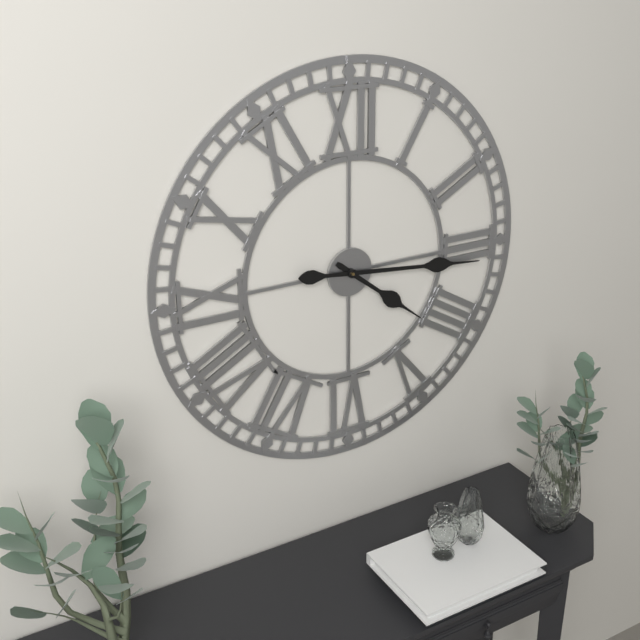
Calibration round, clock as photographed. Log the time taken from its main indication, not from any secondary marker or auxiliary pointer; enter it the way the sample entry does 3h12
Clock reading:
4h16
